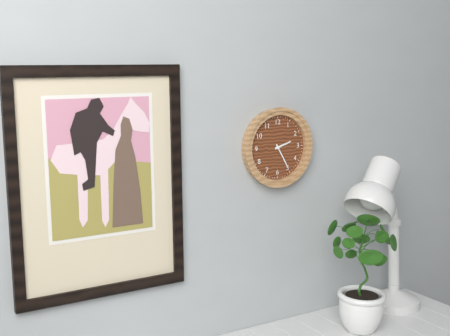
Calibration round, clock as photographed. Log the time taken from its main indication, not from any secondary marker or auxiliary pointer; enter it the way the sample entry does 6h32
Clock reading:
2h25
